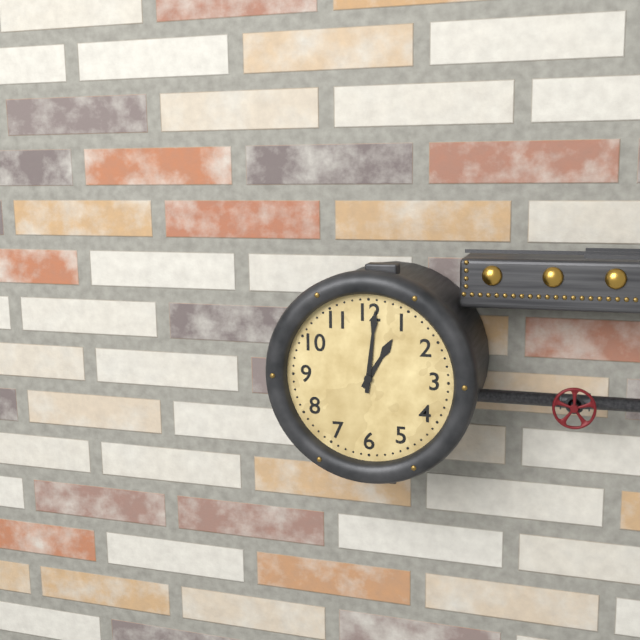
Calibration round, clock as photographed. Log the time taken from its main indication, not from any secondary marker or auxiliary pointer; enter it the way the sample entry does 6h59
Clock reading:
1h01
